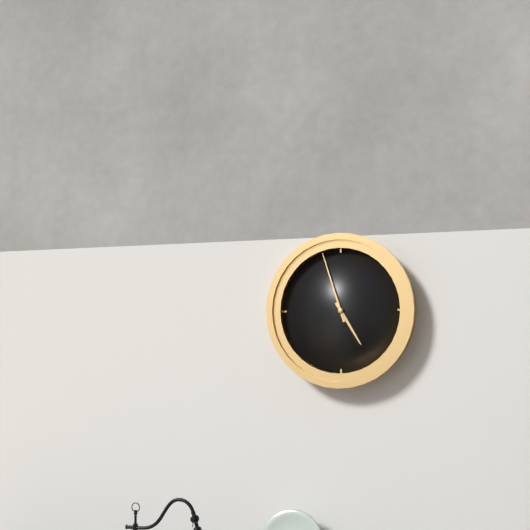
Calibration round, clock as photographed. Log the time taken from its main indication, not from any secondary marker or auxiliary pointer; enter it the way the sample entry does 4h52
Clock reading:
4h57
